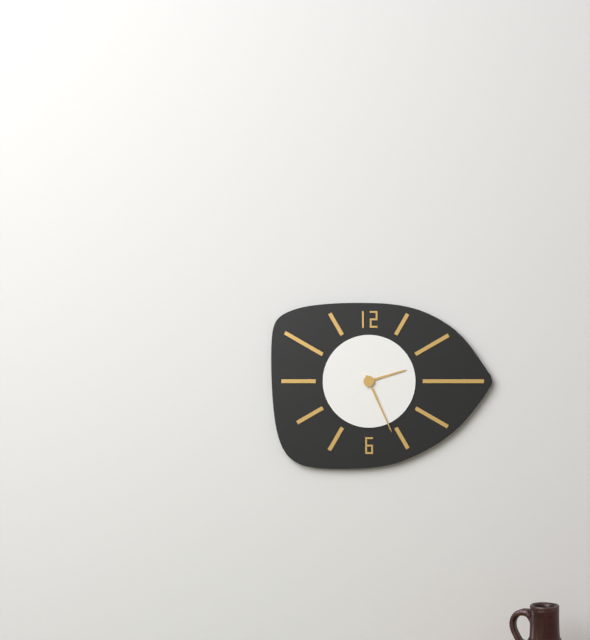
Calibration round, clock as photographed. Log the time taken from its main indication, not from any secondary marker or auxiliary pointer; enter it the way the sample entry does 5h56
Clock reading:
2h26
